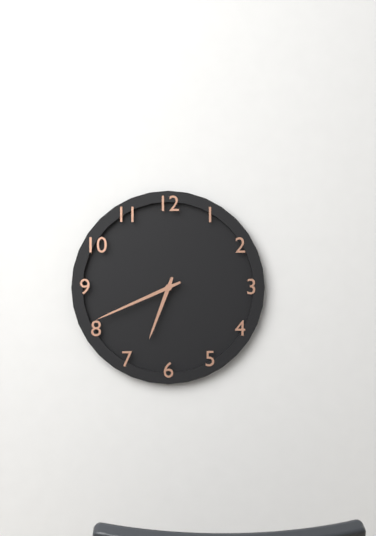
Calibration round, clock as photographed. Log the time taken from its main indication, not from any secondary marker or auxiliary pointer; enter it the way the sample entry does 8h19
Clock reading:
6h41
